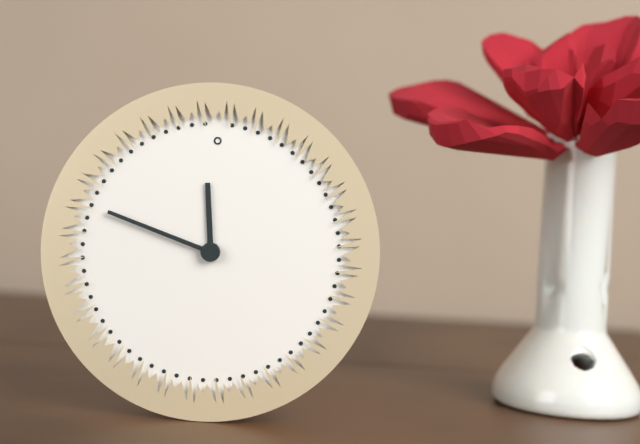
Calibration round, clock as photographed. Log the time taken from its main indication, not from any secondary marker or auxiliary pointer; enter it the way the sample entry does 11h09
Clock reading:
11h48
